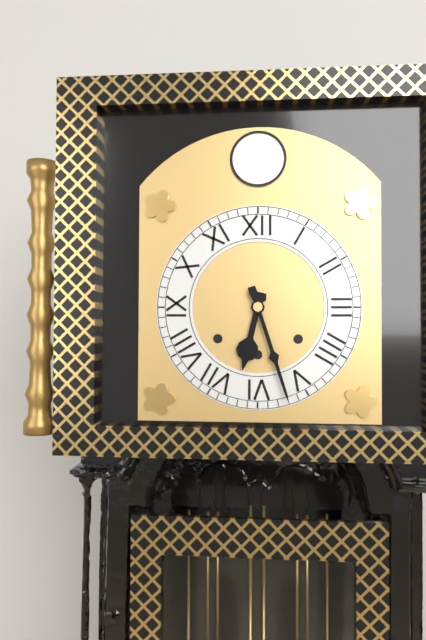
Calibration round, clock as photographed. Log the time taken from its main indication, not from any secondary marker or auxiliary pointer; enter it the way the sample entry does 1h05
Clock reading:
6h27
